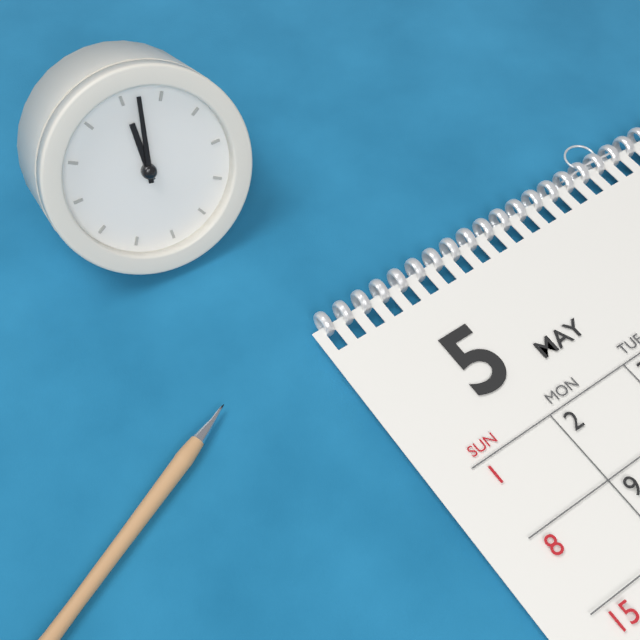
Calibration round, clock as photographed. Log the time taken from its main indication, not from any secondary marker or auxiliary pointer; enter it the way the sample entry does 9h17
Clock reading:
12h02
